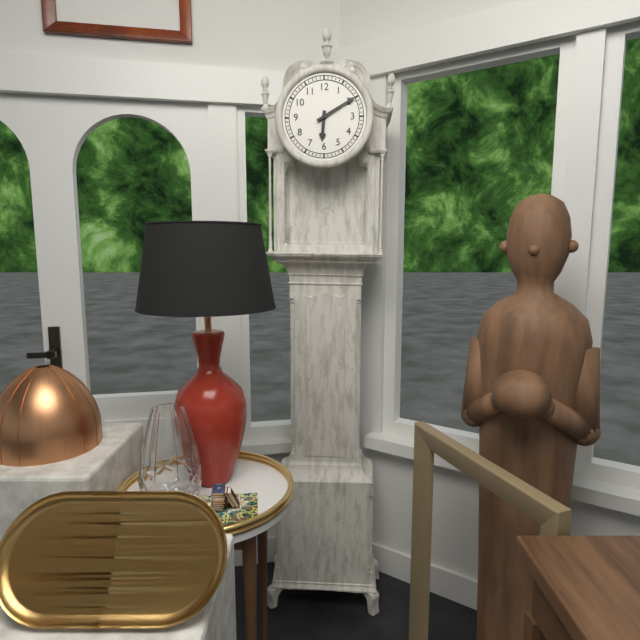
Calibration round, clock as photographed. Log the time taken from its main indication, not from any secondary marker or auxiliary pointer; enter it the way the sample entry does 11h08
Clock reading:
6h10
